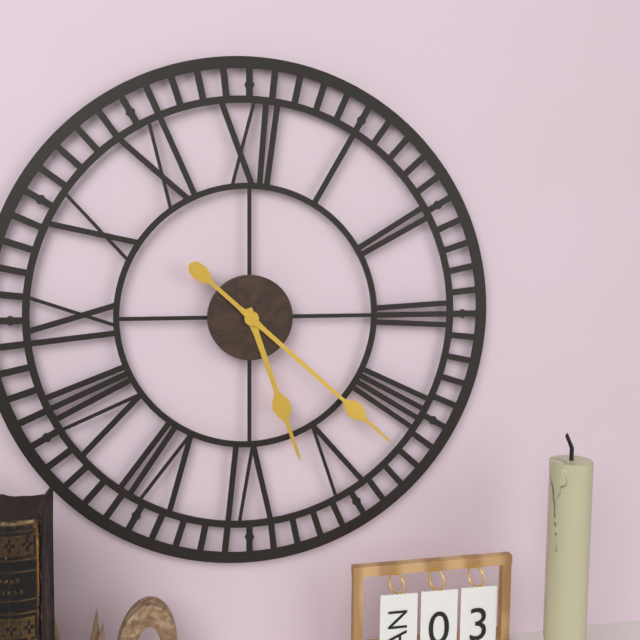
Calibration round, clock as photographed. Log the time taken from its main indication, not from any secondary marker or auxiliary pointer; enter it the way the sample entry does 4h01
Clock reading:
5h22
